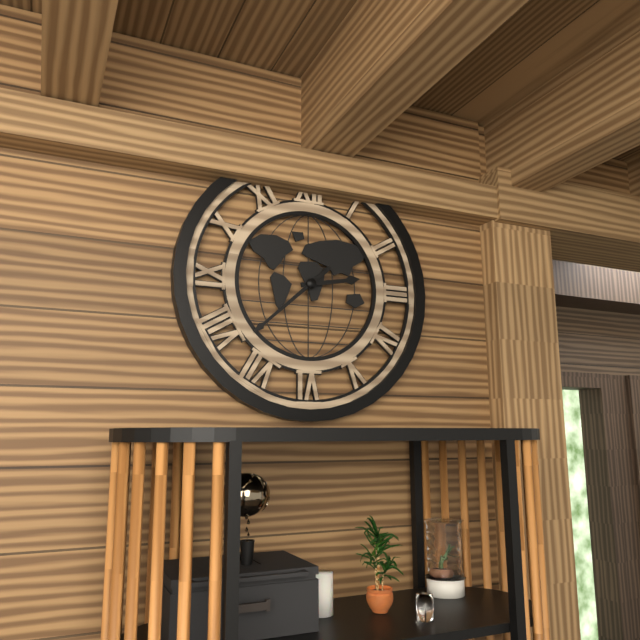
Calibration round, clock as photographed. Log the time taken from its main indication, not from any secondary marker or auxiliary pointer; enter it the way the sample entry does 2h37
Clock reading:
2h38
